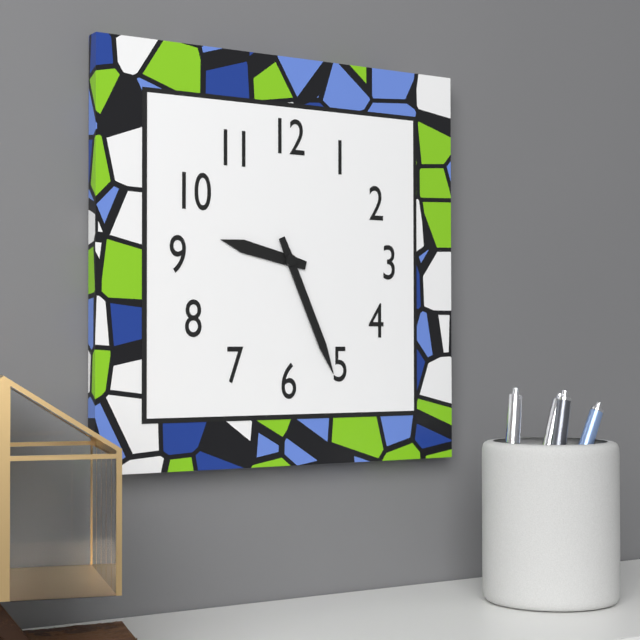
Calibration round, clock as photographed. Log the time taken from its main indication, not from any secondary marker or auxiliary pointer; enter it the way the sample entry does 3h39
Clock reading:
9h26
